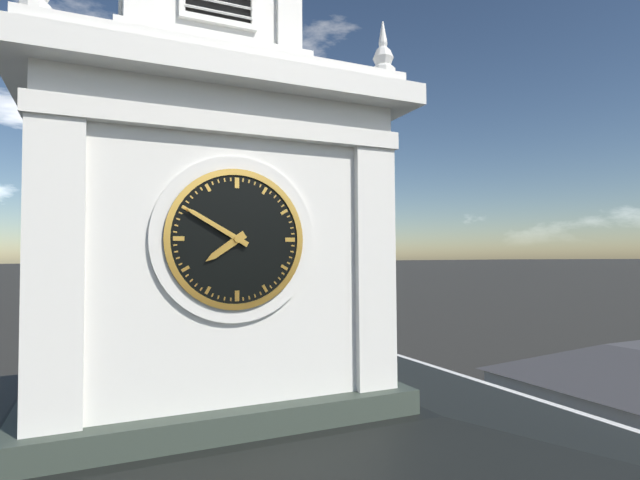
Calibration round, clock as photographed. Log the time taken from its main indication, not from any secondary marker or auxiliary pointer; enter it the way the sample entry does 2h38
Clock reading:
7h50
